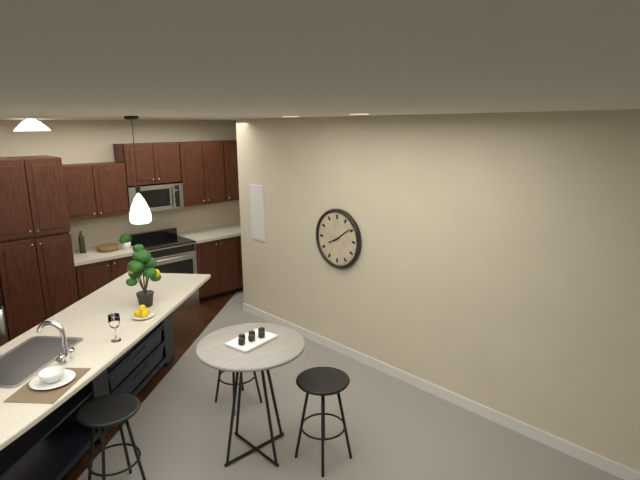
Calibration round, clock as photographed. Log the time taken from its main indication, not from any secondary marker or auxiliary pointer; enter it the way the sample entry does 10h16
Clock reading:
8h09
